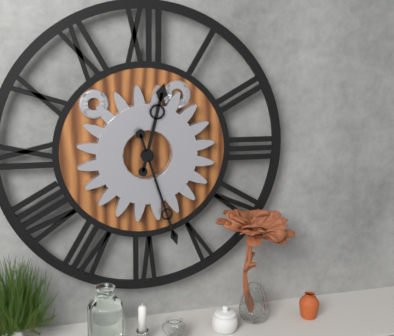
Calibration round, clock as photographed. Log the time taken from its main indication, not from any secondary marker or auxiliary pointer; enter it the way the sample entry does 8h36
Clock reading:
12h27
